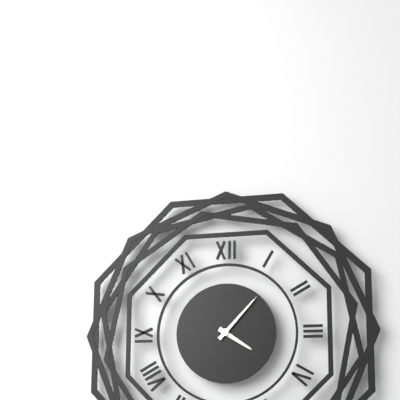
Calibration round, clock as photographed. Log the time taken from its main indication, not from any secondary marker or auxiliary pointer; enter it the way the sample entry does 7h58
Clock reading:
4h07
